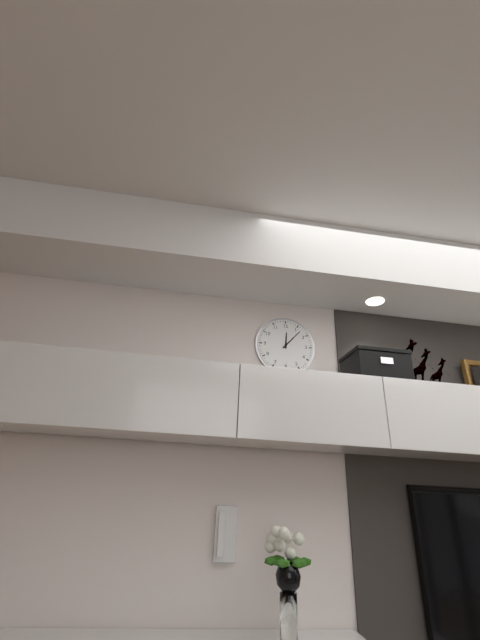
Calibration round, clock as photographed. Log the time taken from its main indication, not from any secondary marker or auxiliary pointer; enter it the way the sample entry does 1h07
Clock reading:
12h07
